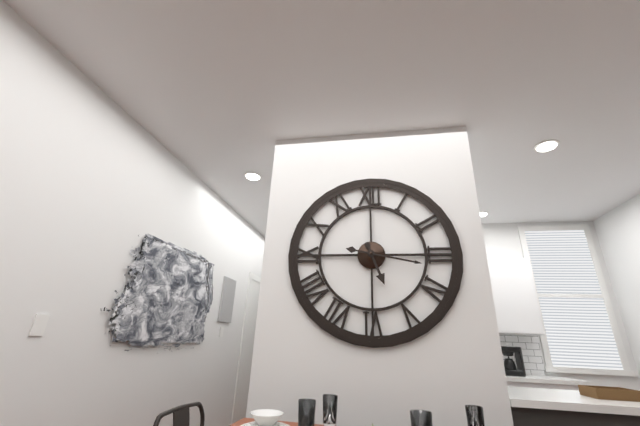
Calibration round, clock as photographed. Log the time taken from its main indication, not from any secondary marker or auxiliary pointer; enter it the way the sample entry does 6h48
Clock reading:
5h17
